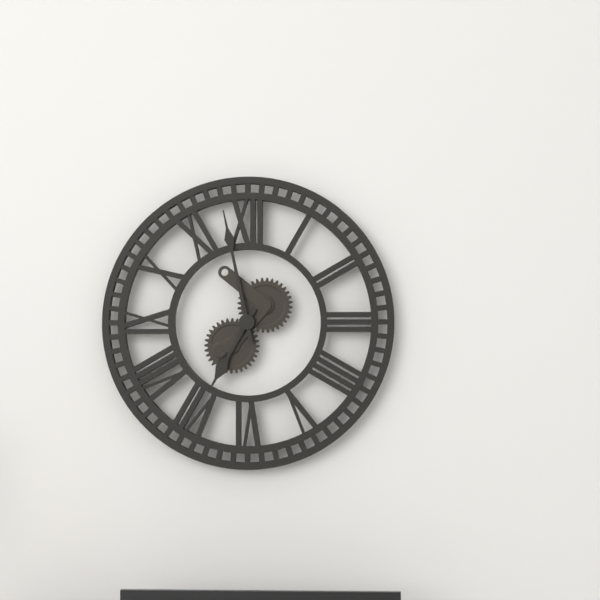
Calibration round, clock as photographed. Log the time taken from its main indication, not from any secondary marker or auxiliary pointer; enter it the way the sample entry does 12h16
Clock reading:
6h58
